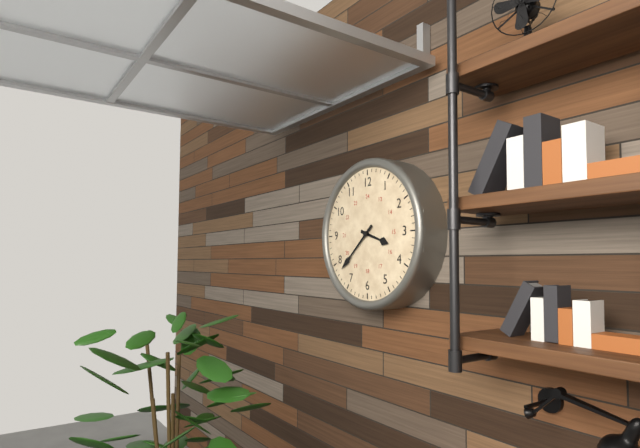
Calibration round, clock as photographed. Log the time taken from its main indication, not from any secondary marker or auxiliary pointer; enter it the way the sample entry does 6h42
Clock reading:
3h38
